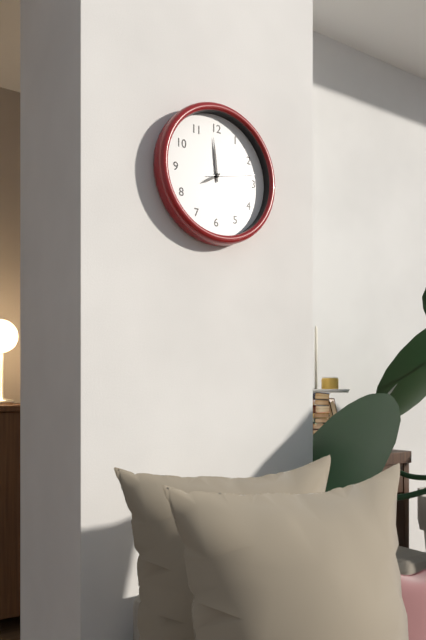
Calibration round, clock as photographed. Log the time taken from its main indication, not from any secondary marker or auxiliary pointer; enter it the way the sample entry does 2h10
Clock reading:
7h59
